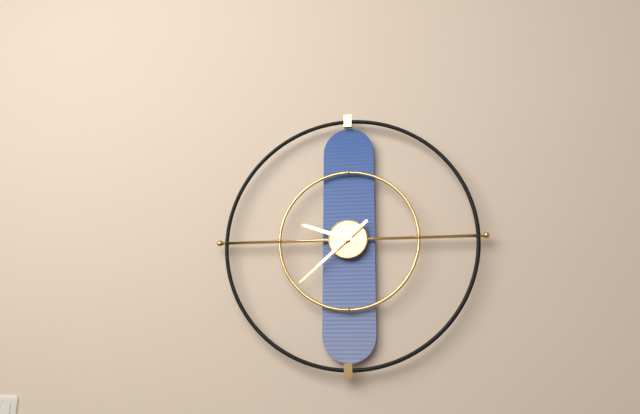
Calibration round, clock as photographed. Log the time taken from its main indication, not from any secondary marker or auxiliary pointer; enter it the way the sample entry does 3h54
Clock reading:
9h38
